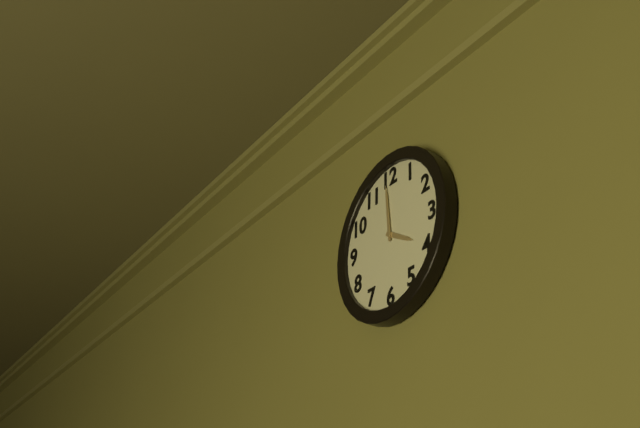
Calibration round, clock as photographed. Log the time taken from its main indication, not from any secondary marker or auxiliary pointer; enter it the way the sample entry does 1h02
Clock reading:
3h59
